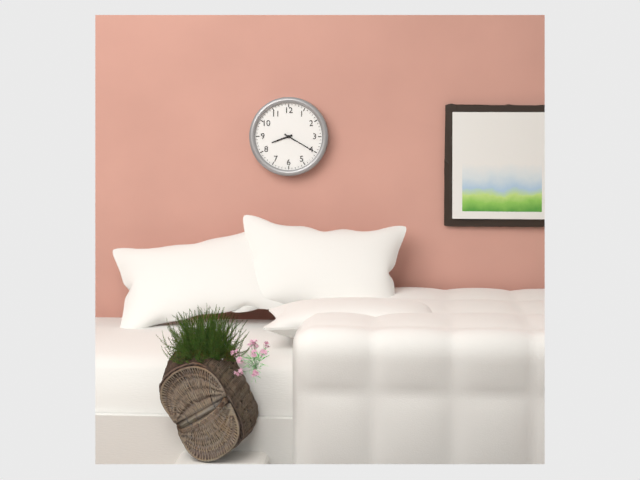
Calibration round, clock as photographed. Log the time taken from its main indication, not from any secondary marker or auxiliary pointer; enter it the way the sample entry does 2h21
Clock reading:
8h20
